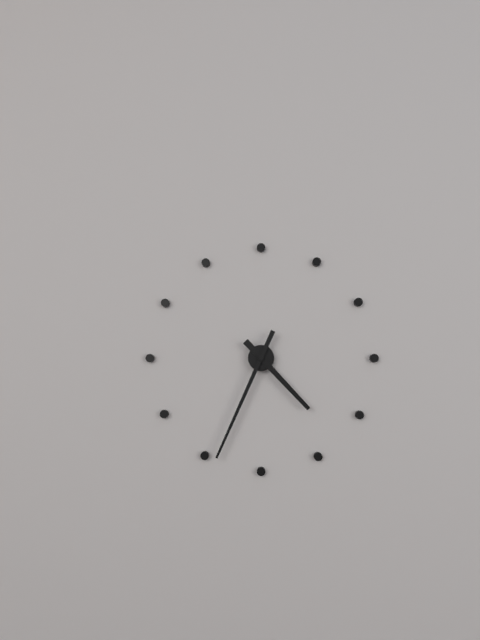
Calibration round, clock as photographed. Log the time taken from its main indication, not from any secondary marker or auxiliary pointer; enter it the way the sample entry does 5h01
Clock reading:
4h34
